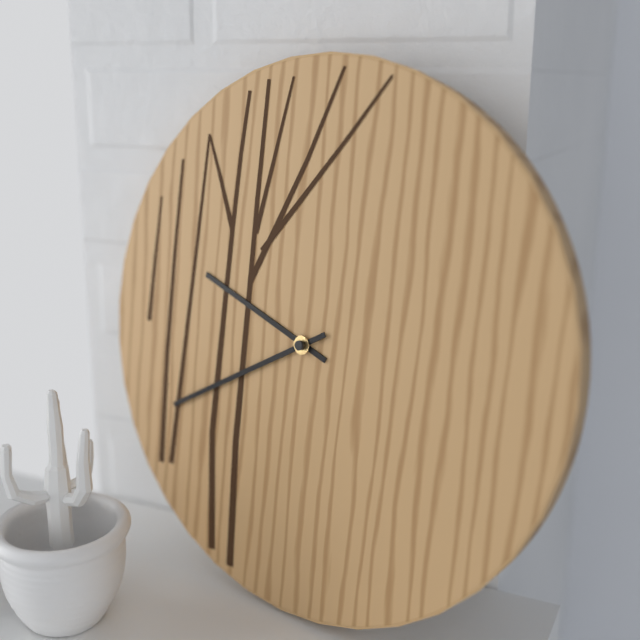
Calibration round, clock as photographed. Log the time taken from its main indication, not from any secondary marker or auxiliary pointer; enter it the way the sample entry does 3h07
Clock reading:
9h40
